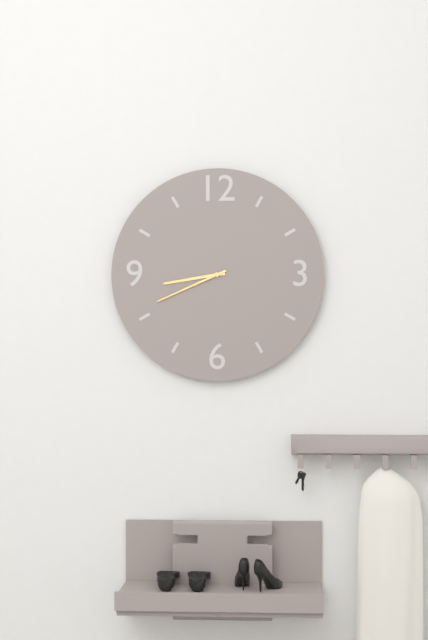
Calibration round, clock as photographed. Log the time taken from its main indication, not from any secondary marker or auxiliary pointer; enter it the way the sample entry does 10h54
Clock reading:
8h41
